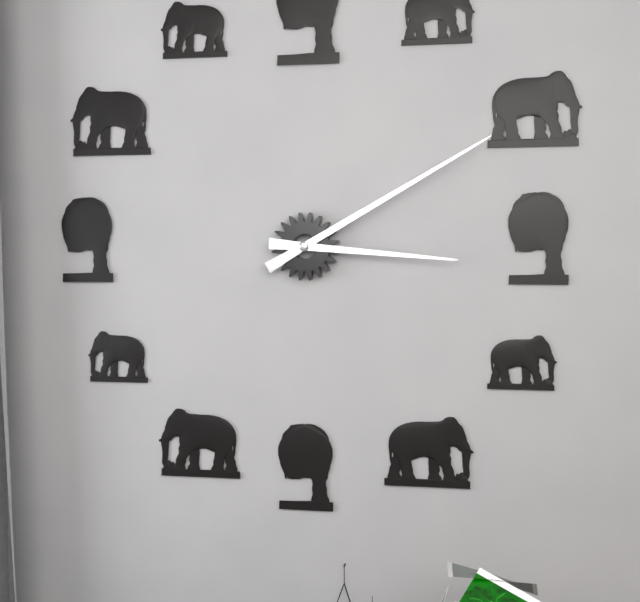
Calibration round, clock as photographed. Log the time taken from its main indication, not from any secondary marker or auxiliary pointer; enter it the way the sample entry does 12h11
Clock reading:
3h10
